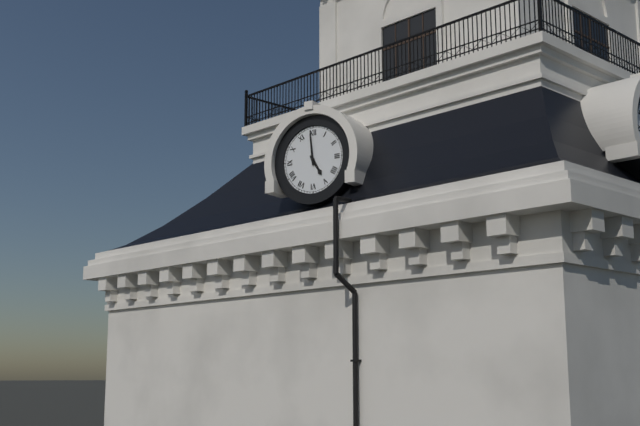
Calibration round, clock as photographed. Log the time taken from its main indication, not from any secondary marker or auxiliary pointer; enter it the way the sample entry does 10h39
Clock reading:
4h59
